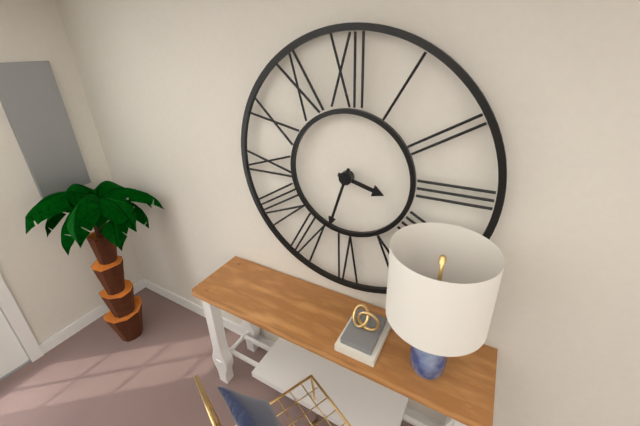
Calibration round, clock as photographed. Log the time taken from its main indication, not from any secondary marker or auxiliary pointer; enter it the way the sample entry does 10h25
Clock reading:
3h33
